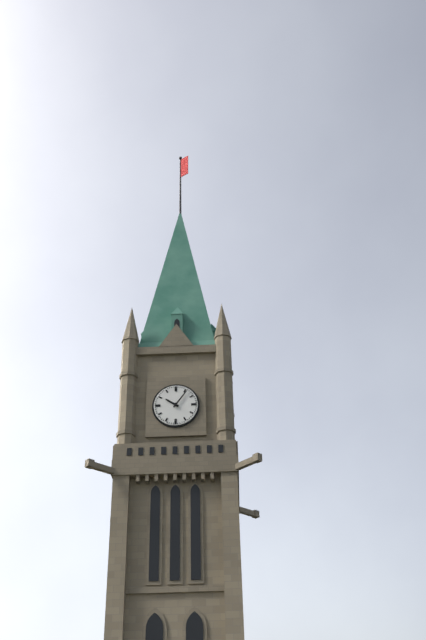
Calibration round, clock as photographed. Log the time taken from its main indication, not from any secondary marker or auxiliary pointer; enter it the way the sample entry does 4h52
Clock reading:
10h06
